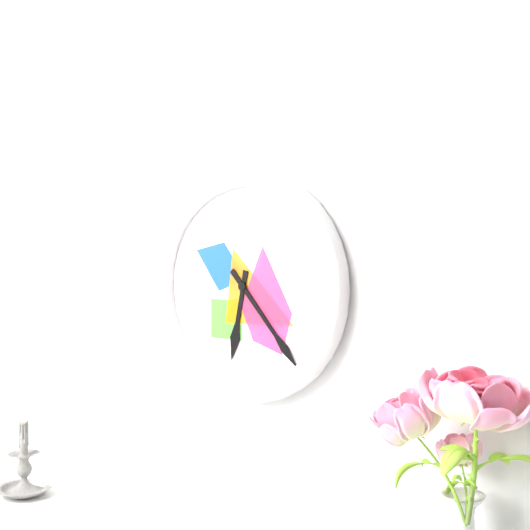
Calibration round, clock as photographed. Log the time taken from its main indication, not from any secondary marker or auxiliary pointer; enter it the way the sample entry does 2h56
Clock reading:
6h23
